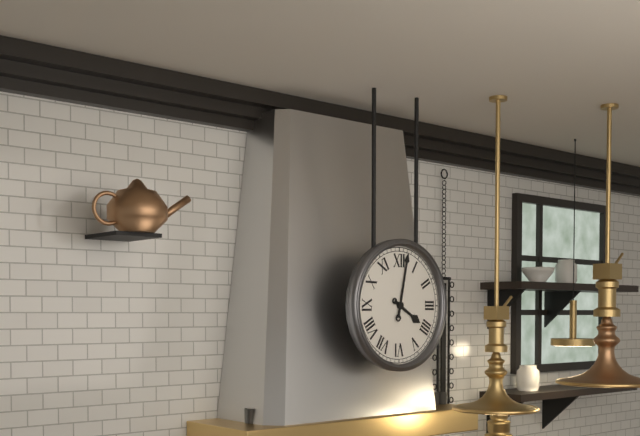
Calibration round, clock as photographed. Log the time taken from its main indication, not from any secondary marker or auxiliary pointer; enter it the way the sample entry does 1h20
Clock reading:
4h02
